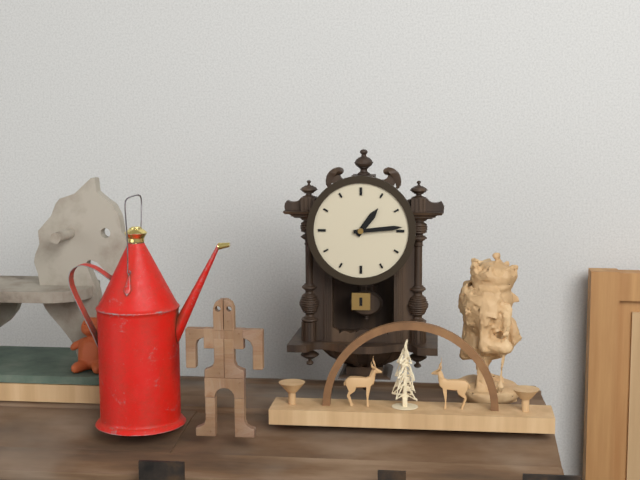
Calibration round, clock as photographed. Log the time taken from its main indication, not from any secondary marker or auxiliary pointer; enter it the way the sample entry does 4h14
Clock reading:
1h14
